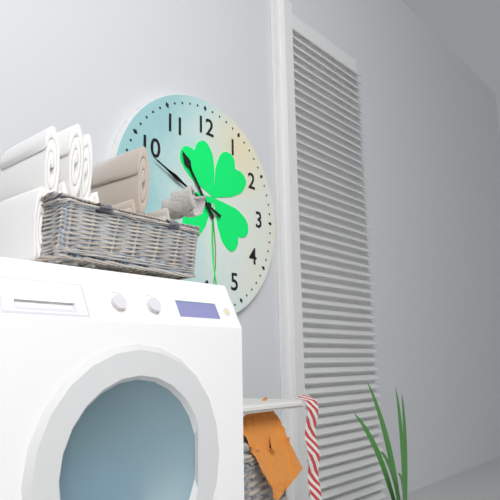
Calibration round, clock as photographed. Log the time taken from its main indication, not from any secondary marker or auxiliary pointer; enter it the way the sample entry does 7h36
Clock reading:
10h49
